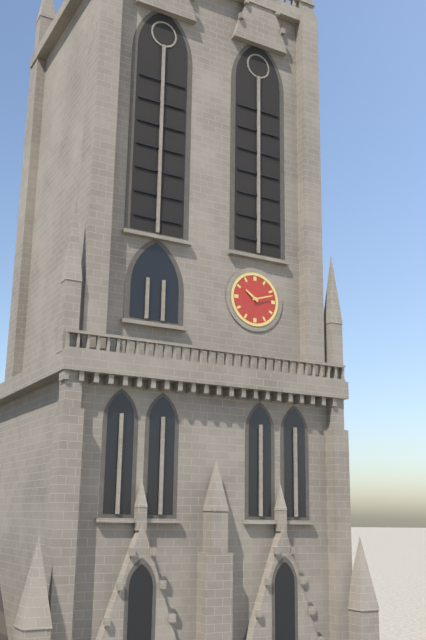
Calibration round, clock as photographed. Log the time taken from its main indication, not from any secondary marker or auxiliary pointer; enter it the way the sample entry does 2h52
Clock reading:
10h12
